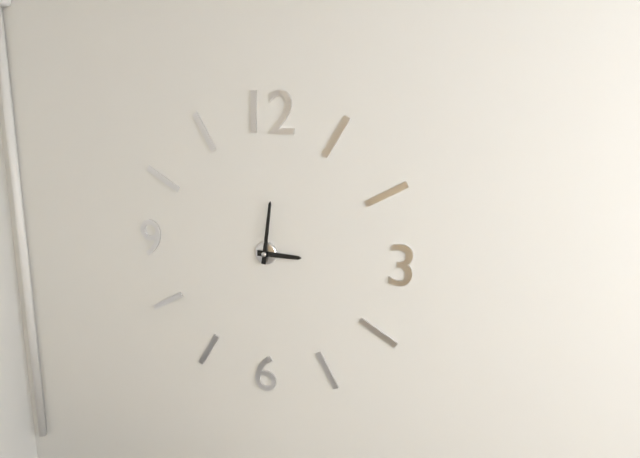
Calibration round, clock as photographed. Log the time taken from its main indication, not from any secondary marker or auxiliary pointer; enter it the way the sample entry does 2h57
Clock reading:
3h01
